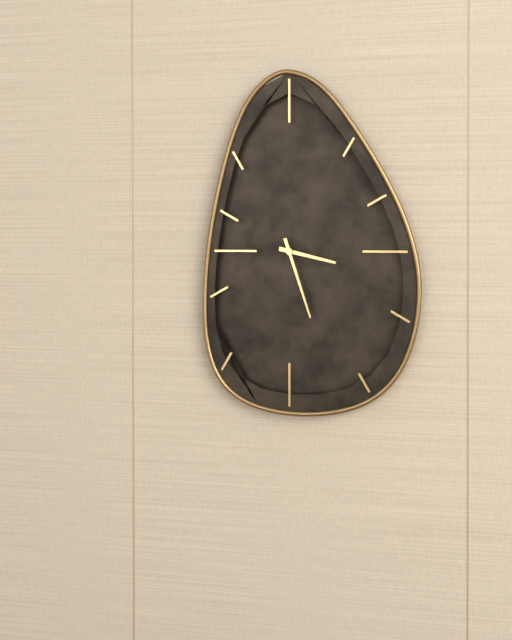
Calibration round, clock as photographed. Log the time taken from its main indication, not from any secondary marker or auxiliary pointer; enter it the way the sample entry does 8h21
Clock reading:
3h27
